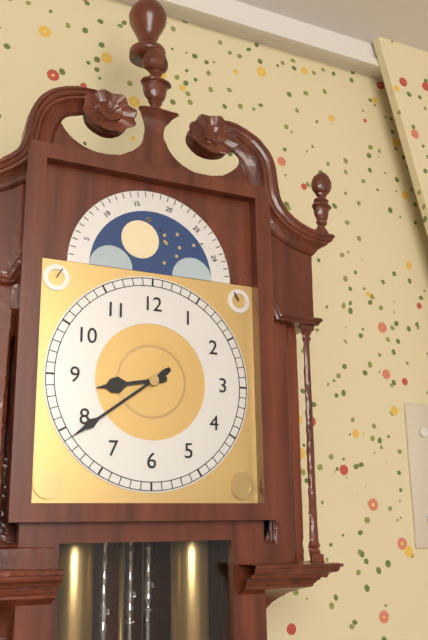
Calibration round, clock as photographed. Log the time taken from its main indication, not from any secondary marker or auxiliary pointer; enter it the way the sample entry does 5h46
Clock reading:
8h39
